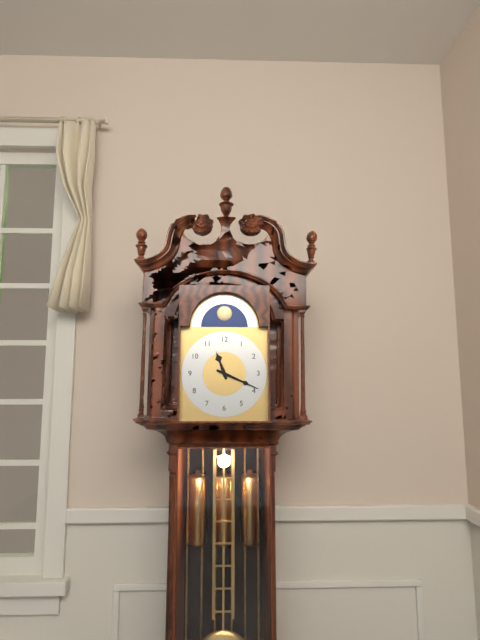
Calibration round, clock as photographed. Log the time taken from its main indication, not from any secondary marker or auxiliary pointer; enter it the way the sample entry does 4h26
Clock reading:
11h19
